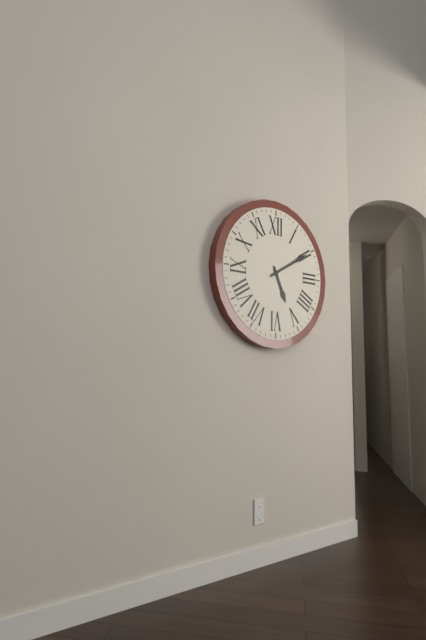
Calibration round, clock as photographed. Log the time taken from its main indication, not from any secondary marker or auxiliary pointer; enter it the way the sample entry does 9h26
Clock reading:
5h10
